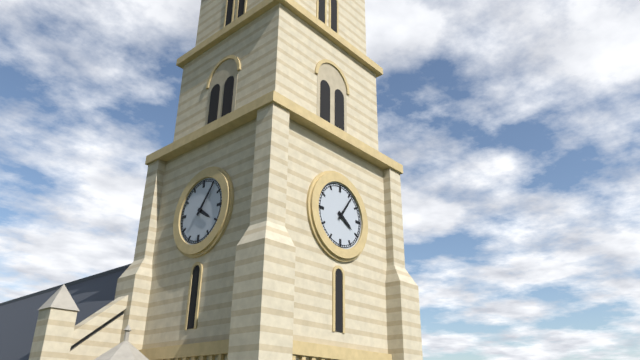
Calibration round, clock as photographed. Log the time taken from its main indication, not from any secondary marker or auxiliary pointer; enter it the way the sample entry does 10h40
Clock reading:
4h06
